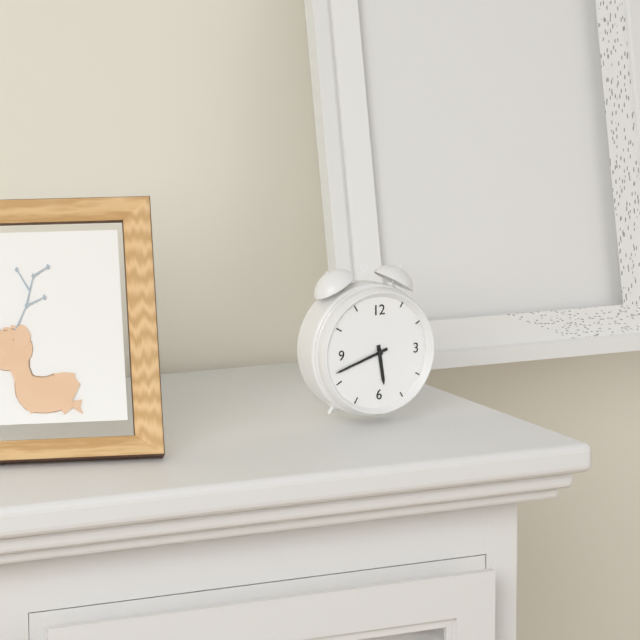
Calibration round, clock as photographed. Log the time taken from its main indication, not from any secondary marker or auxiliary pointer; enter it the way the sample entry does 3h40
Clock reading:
5h42
